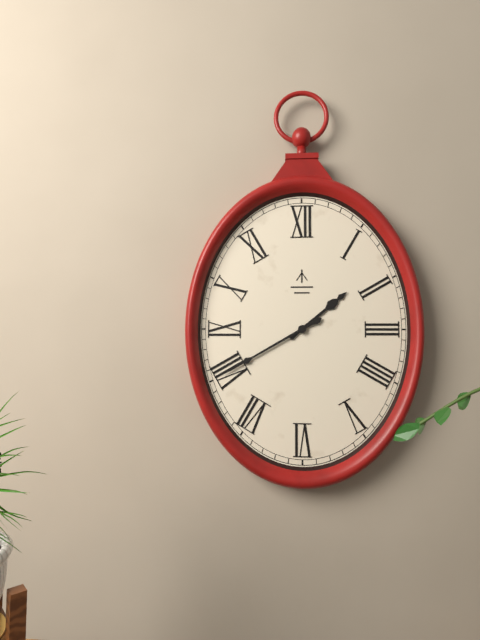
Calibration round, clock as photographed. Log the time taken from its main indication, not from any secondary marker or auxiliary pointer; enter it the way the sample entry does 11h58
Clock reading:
1h40
